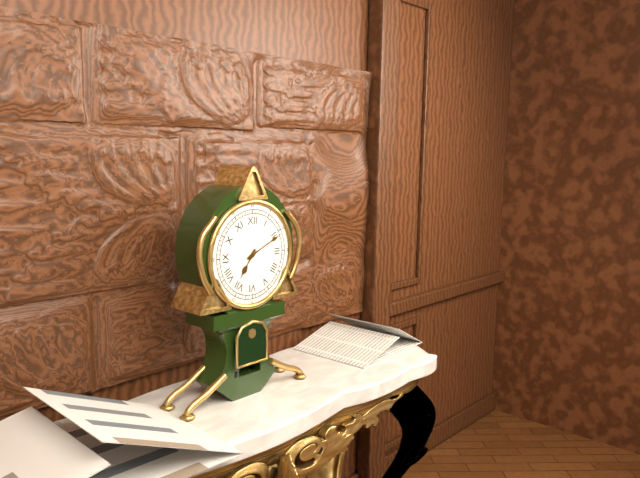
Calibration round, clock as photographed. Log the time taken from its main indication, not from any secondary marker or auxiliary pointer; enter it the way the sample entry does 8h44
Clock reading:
7h11
